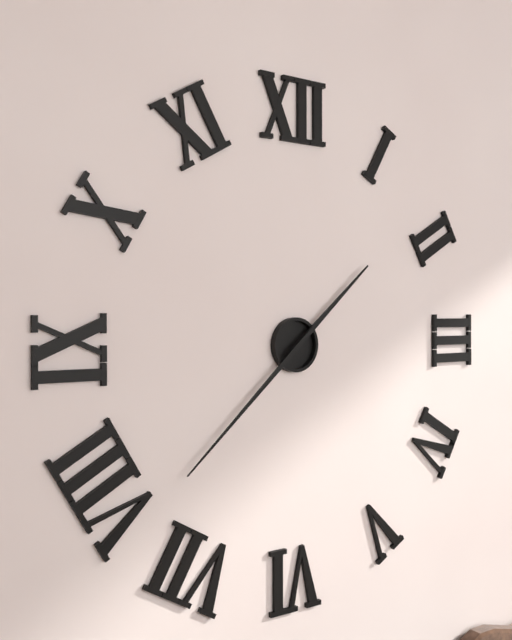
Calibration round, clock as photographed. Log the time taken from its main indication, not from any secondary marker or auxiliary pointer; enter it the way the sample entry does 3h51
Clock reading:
1h38
